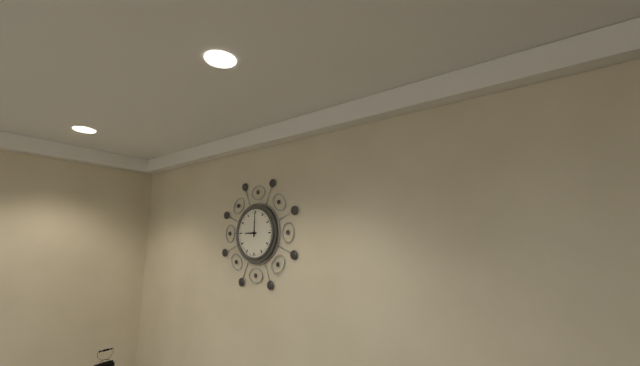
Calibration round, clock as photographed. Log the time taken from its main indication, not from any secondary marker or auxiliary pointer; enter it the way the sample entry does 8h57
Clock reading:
9h00
